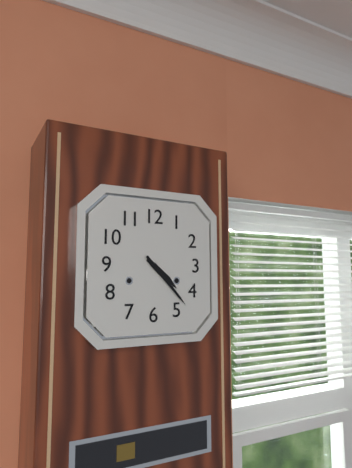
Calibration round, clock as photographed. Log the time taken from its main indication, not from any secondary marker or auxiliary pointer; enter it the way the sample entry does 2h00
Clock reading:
4h23
